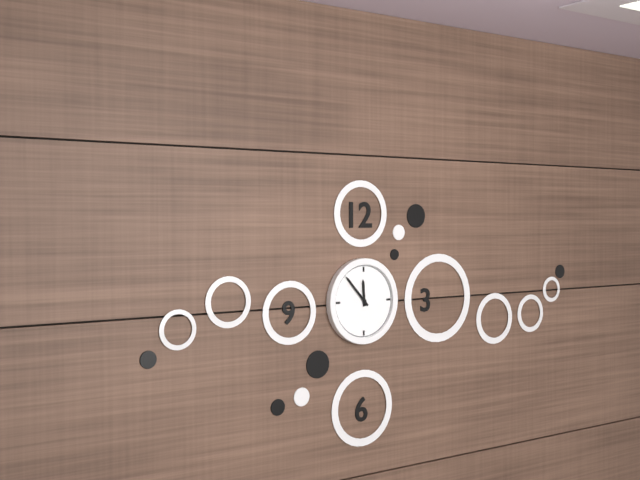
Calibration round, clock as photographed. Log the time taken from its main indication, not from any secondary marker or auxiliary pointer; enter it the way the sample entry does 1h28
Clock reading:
11h53
